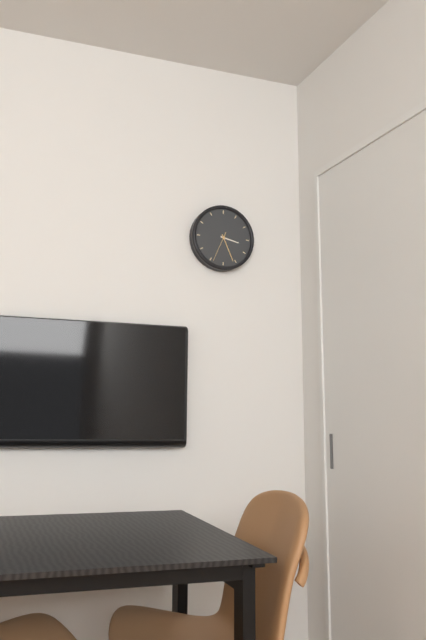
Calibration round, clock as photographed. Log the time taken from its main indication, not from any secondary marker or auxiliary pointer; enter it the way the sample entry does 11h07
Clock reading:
3h26
